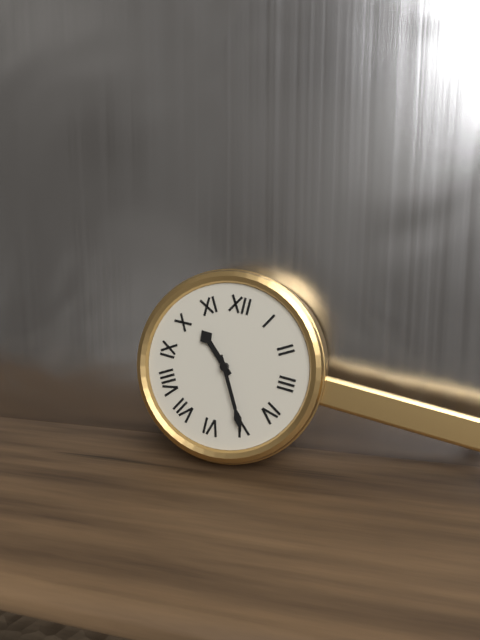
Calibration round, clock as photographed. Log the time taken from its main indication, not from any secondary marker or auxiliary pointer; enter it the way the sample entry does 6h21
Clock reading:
10h25
